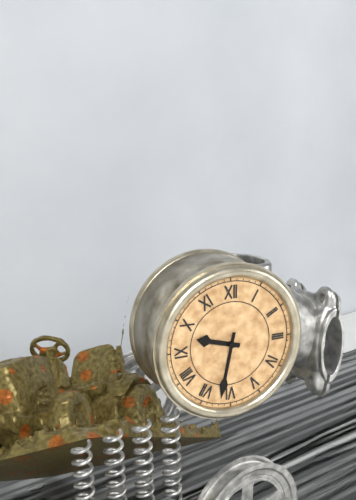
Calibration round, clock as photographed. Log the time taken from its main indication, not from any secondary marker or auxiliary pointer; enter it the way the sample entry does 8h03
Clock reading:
9h32
